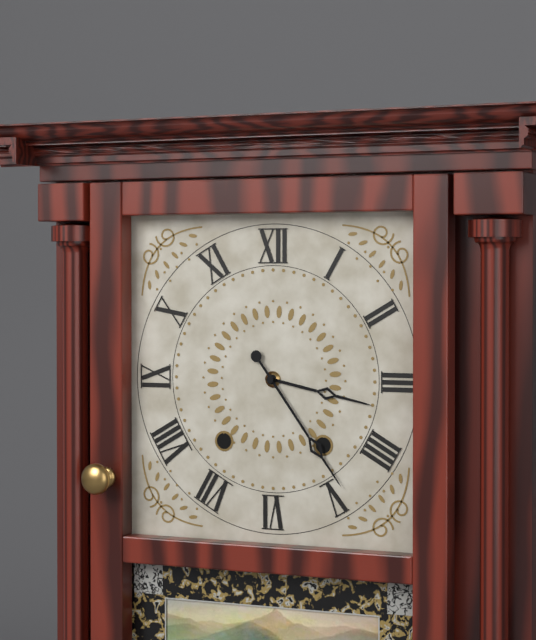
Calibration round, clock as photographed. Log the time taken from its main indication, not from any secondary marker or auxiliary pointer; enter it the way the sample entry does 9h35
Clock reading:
3h24
